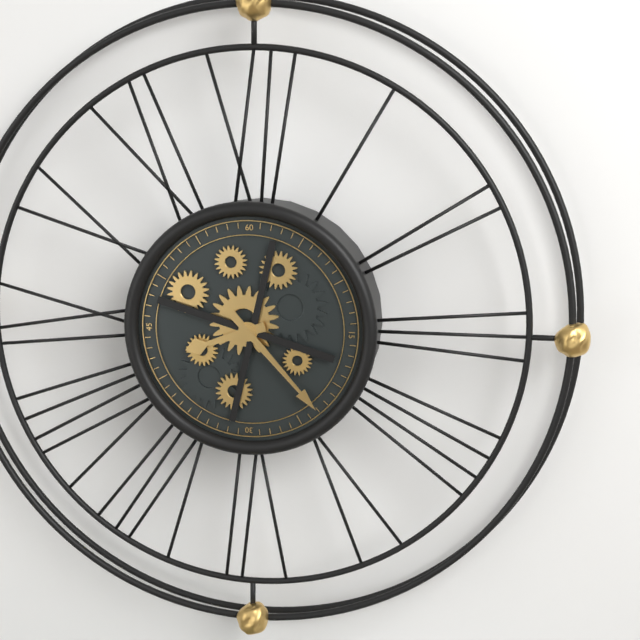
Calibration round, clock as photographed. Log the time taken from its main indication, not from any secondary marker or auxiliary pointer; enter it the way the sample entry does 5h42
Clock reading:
8h23
